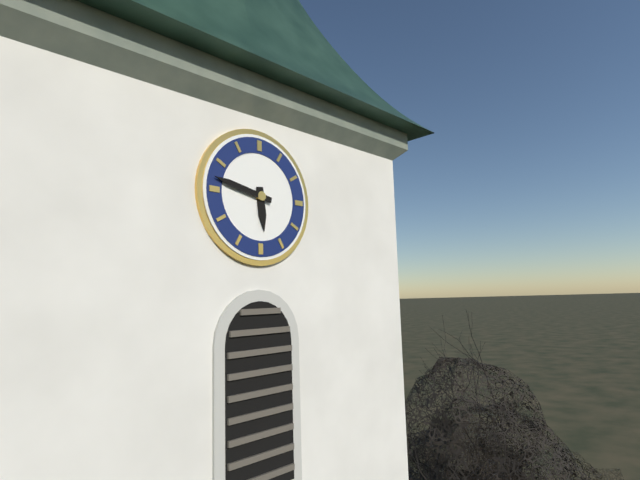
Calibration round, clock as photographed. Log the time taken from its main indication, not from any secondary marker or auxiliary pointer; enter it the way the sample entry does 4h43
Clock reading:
5h47
